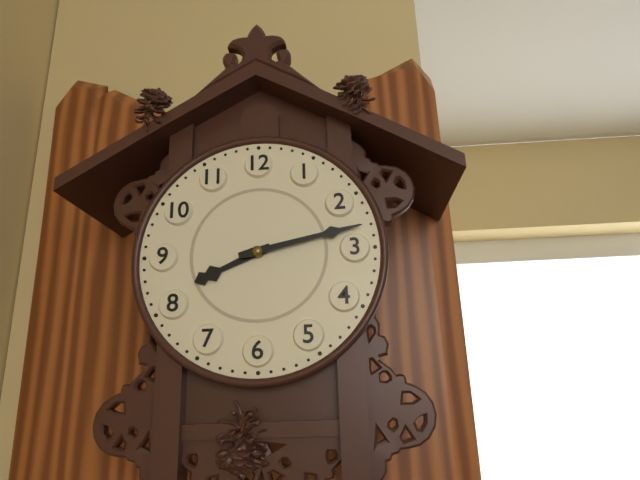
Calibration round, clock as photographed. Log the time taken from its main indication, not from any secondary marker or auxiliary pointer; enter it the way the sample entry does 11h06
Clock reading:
8h13
